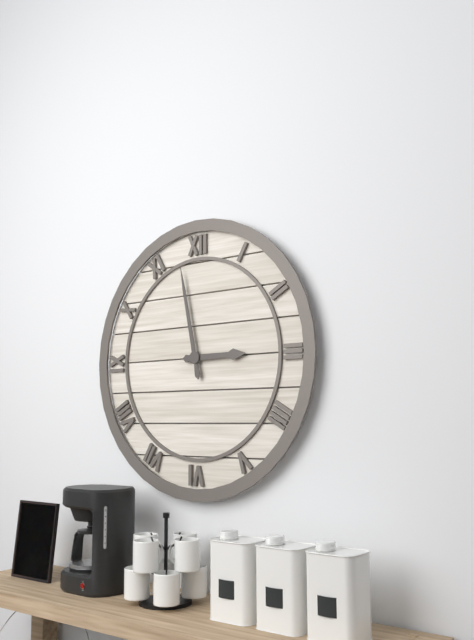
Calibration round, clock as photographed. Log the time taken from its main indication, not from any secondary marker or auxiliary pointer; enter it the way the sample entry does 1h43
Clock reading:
2h58
